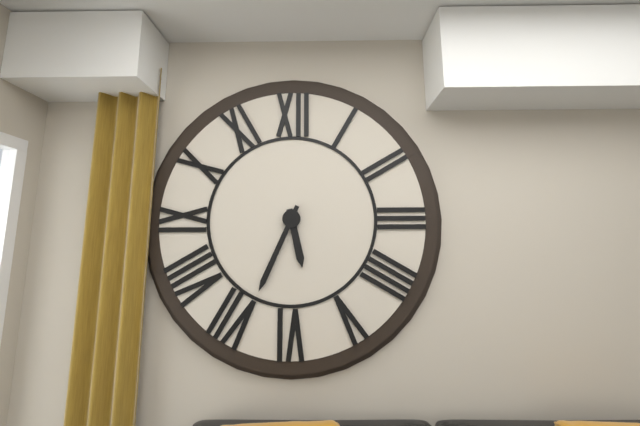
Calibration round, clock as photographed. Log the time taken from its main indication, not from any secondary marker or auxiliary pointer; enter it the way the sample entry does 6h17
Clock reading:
5h34
